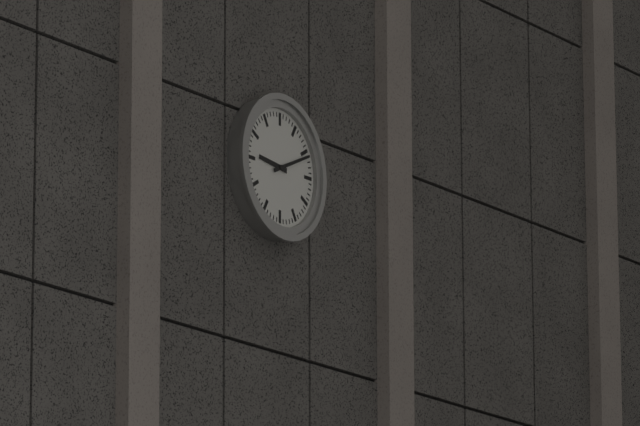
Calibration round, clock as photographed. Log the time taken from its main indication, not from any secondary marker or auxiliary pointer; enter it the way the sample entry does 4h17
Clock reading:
9h11
